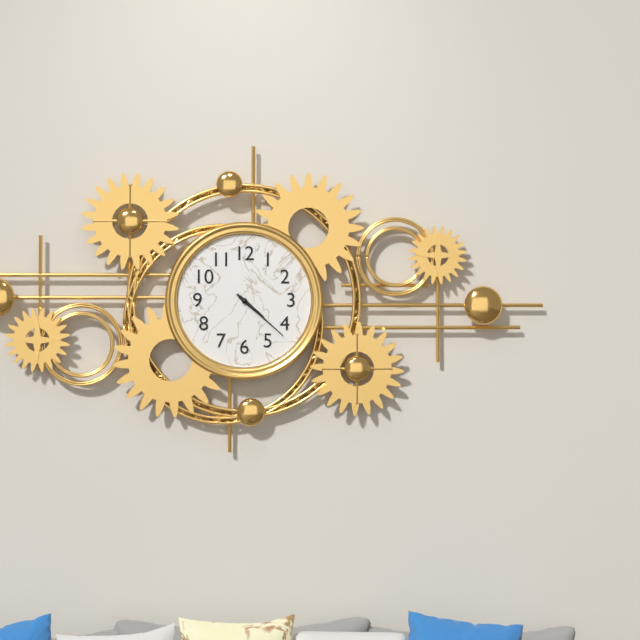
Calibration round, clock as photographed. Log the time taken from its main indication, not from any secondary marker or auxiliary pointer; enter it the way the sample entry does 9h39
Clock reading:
4h22
